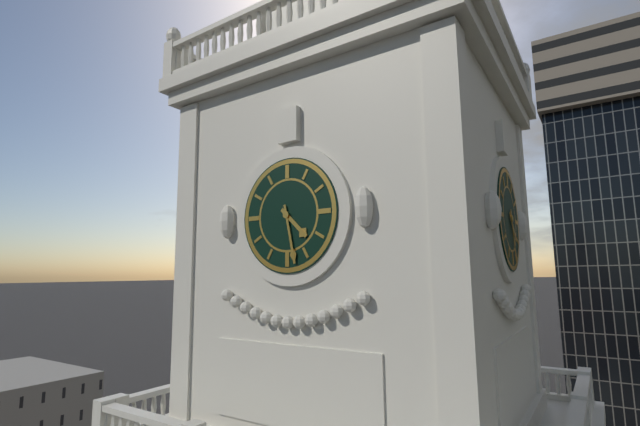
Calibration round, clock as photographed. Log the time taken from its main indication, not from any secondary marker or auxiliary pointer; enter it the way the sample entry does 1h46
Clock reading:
4h28
